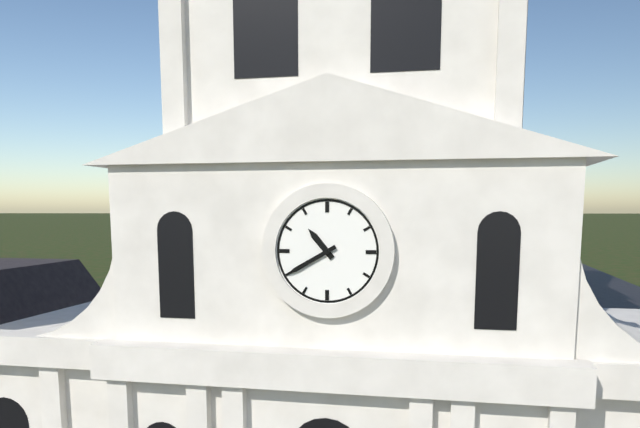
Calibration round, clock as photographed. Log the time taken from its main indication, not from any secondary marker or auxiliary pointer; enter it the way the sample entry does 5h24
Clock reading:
10h40
